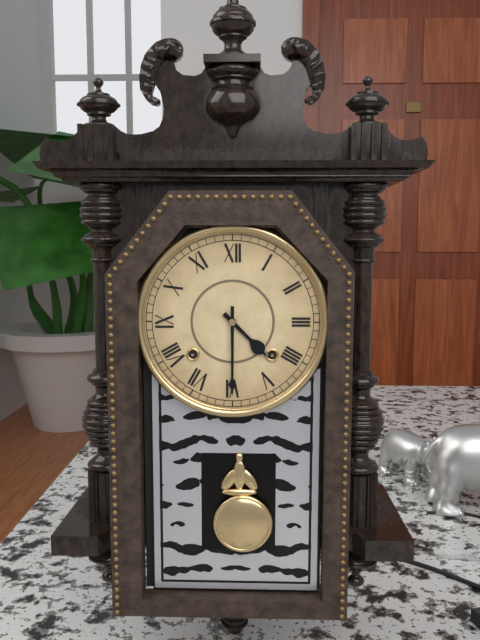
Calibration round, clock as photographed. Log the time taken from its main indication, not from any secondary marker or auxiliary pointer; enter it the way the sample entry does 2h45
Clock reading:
4h30
